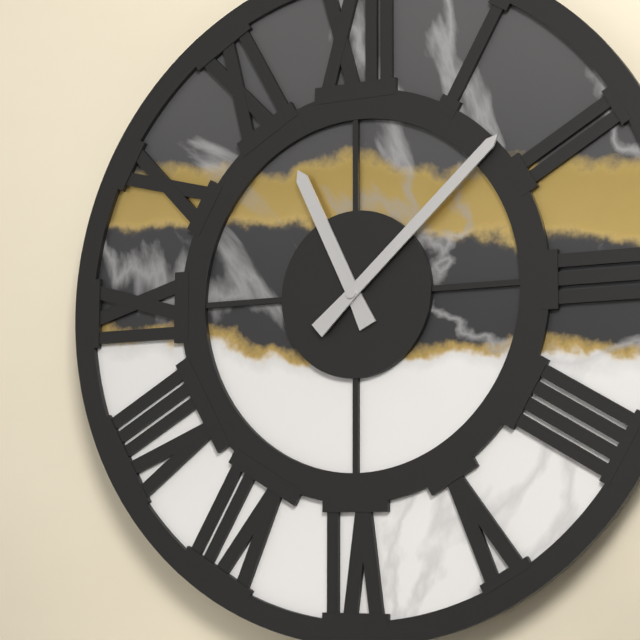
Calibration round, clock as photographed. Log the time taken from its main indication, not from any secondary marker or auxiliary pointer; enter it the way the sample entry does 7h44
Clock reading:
11h08
